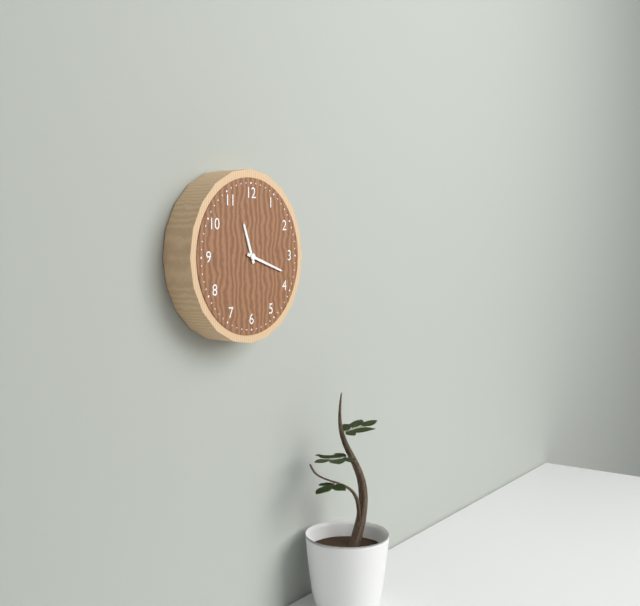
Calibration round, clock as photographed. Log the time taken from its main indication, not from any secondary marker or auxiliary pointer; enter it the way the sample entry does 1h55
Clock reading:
11h18
